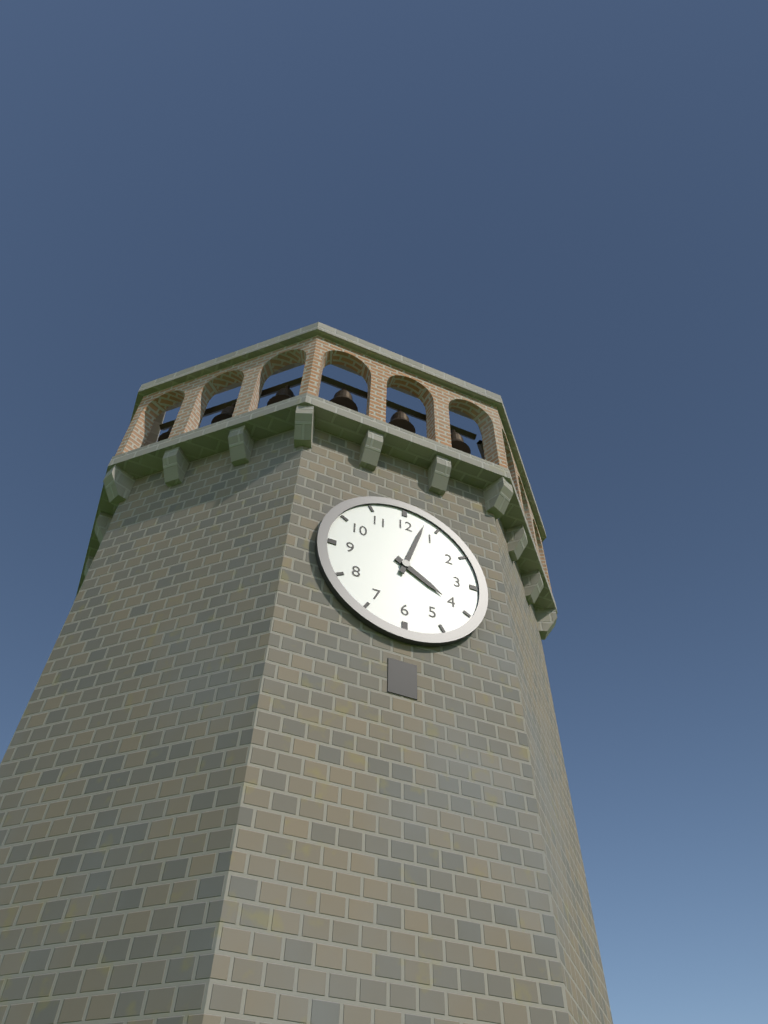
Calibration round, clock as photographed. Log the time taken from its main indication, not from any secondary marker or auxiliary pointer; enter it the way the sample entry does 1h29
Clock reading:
4h03
